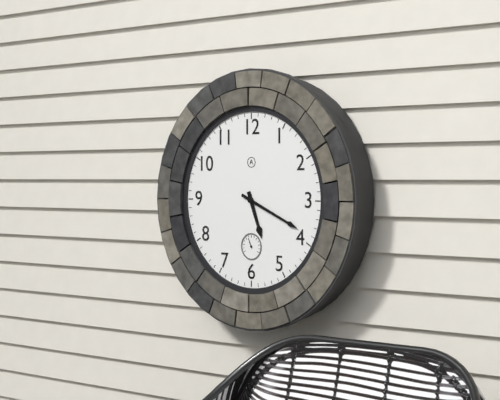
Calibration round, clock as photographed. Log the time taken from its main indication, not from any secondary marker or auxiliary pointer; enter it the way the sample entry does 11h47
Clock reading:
5h19
